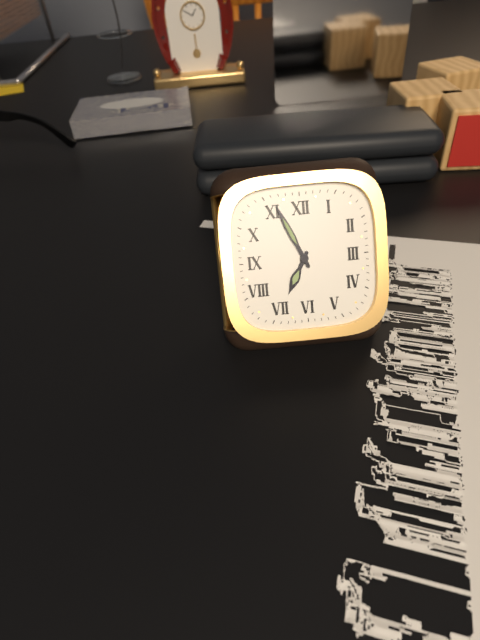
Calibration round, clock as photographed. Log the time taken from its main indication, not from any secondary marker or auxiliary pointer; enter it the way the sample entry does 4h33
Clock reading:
6h56
